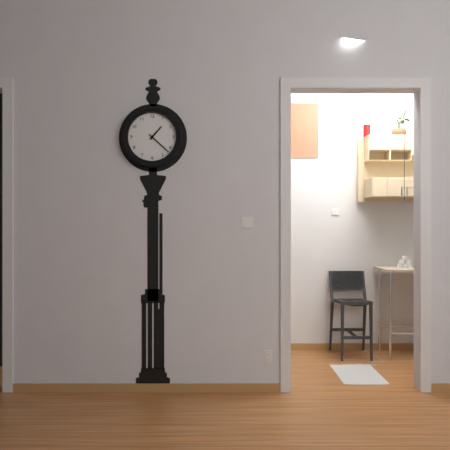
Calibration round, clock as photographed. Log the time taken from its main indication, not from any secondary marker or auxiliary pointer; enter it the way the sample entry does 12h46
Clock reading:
1h22
